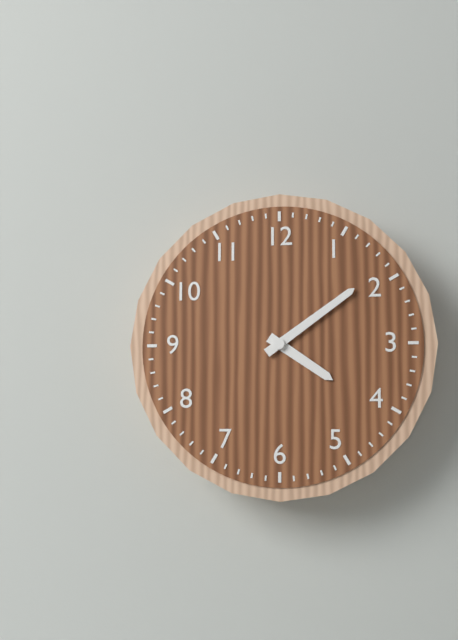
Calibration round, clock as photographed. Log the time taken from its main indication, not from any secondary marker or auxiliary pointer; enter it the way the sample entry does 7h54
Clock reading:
4h09
